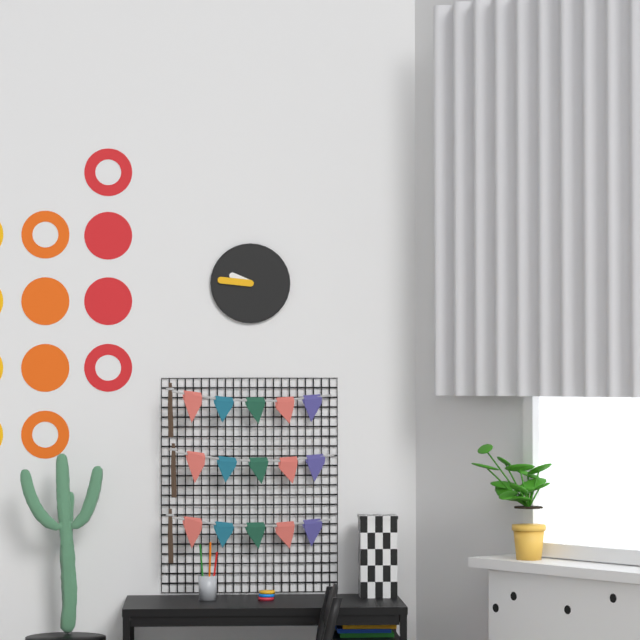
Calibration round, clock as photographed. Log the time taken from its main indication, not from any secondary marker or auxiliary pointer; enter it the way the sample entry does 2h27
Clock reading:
9h46
